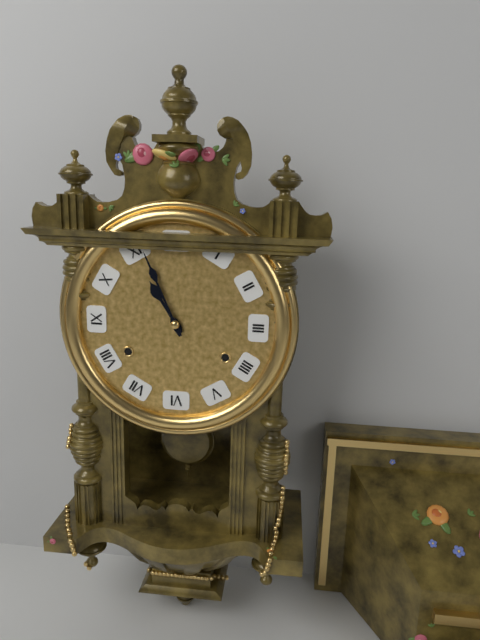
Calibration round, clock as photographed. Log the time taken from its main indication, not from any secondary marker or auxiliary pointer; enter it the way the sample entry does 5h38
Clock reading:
10h56
